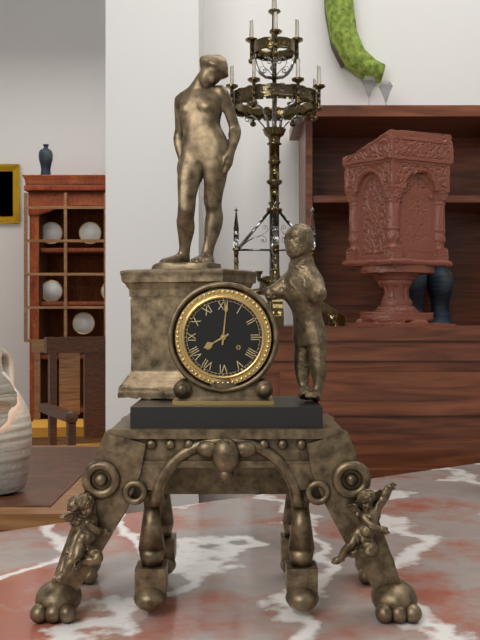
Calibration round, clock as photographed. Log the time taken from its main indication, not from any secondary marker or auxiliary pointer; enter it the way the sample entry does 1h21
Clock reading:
8h01
